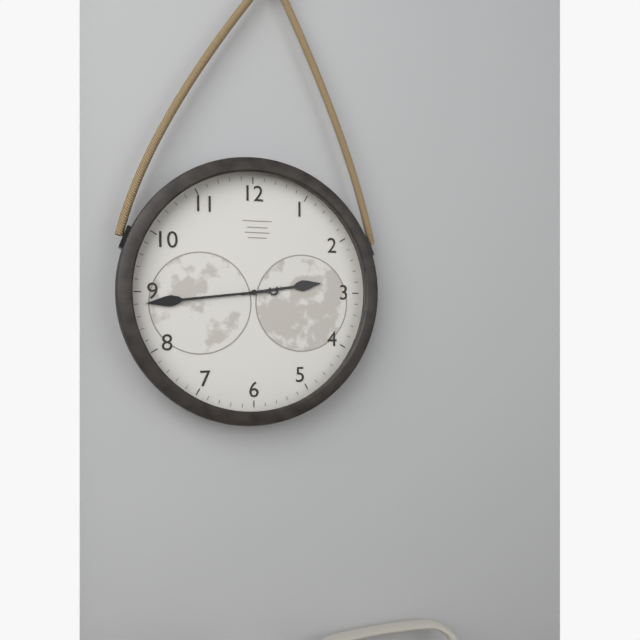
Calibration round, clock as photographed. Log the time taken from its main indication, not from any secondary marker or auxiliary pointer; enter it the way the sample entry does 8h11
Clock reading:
2h44
